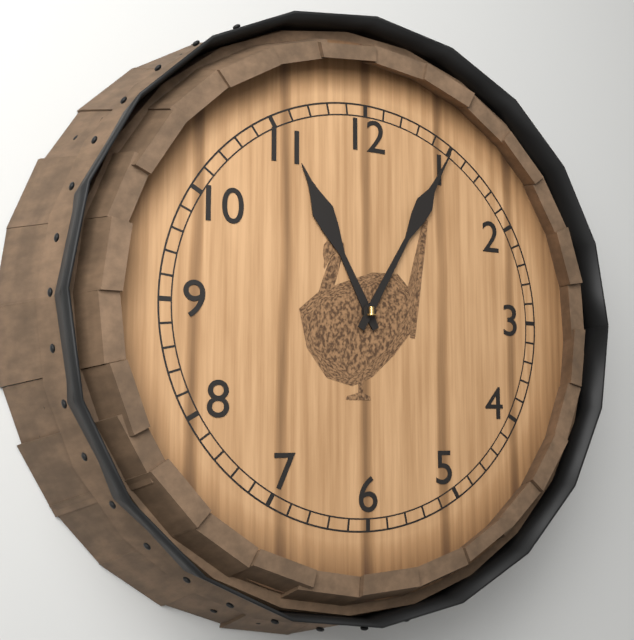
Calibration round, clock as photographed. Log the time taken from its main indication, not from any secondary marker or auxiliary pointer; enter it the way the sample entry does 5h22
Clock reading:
11h05
